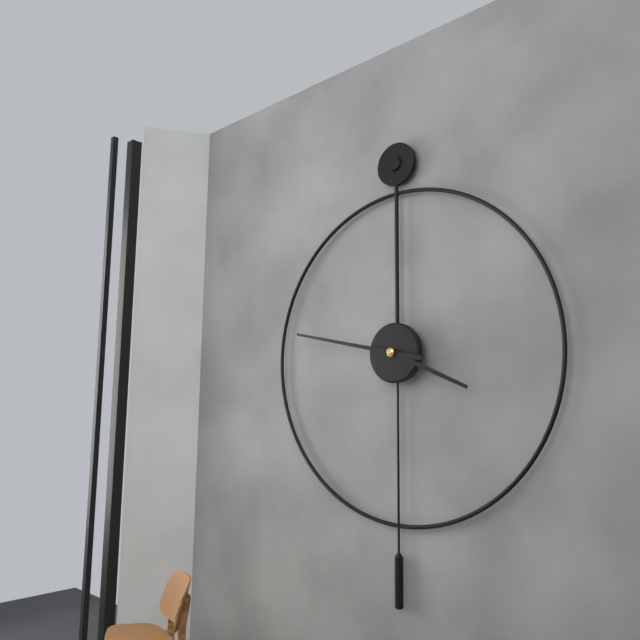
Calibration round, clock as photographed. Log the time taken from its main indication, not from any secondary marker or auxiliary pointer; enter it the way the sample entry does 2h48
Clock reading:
3h47
